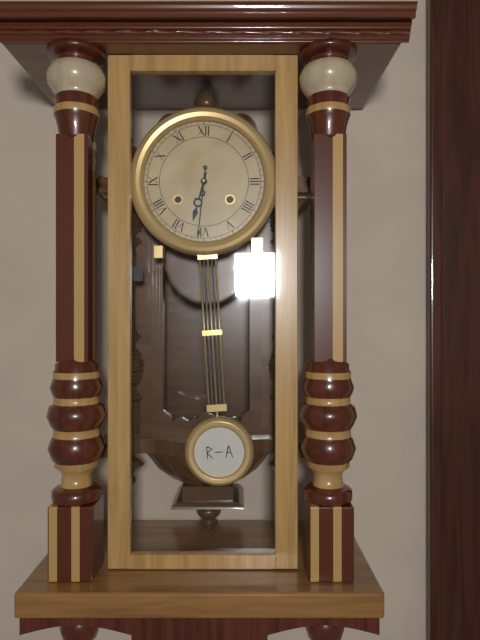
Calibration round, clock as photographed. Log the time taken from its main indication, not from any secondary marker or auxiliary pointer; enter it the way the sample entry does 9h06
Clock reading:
6h31
